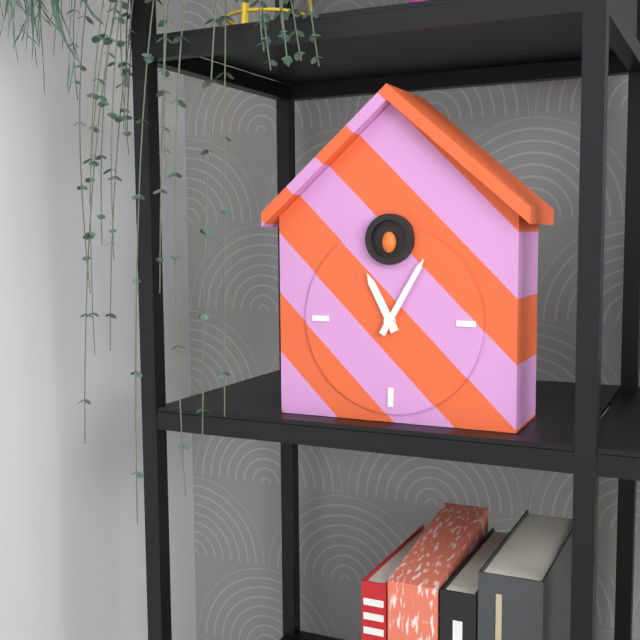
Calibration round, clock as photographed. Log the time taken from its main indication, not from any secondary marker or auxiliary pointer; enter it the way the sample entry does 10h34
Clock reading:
11h05
